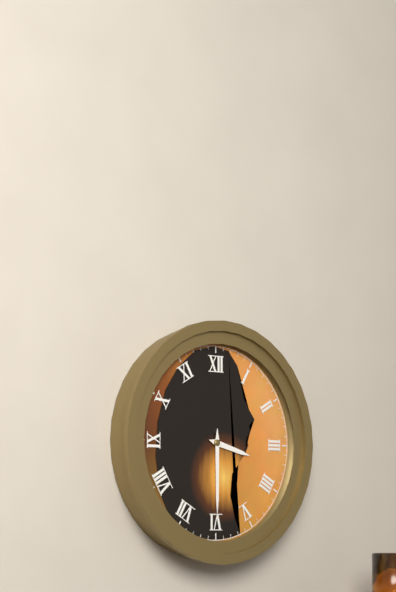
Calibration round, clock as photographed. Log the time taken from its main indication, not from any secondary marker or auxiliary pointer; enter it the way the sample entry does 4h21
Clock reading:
3h30
